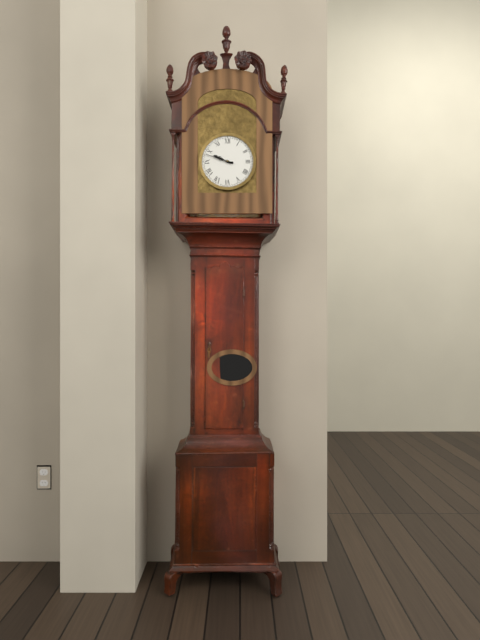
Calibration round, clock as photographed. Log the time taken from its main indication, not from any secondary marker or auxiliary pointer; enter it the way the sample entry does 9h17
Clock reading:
9h48
